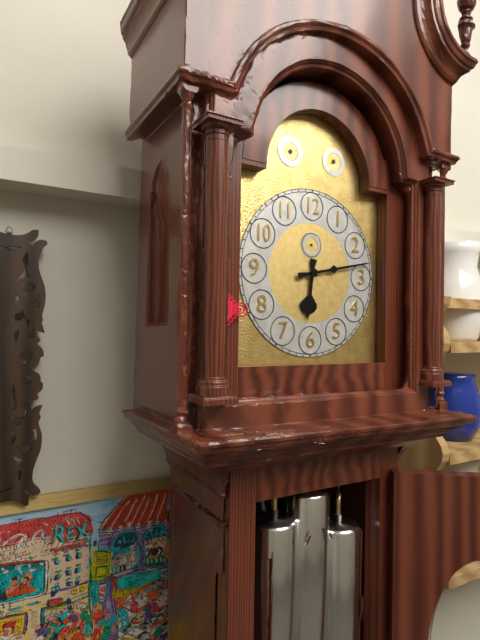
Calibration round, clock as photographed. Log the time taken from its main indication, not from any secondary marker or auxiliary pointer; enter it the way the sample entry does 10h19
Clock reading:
6h13
